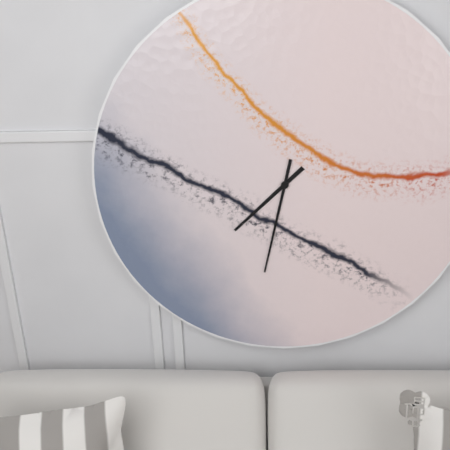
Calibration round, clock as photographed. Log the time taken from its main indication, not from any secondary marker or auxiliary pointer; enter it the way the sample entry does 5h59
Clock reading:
7h32
